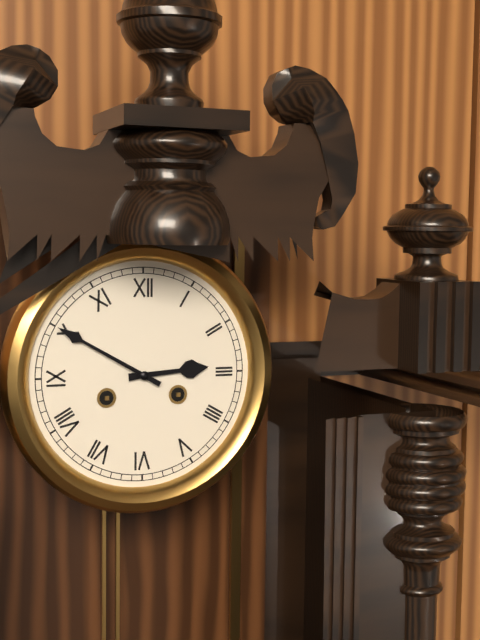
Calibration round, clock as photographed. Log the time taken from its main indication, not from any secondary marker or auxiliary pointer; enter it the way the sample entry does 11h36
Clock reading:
2h50
